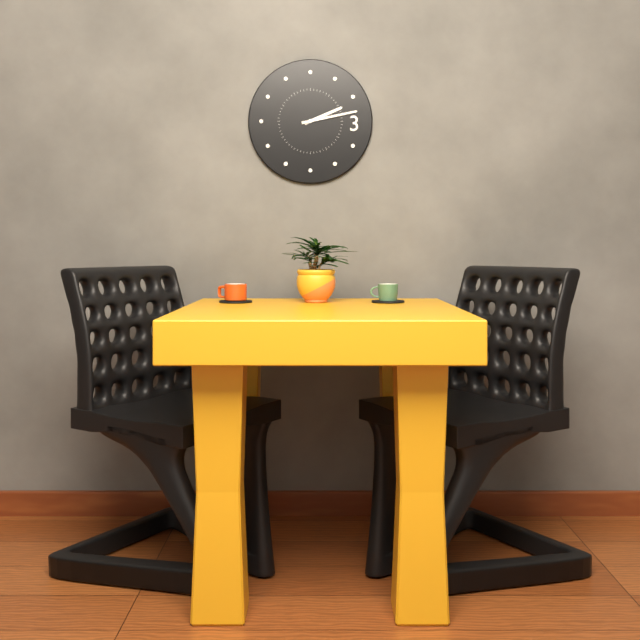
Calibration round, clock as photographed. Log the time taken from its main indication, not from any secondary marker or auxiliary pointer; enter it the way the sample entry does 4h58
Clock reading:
2h13
